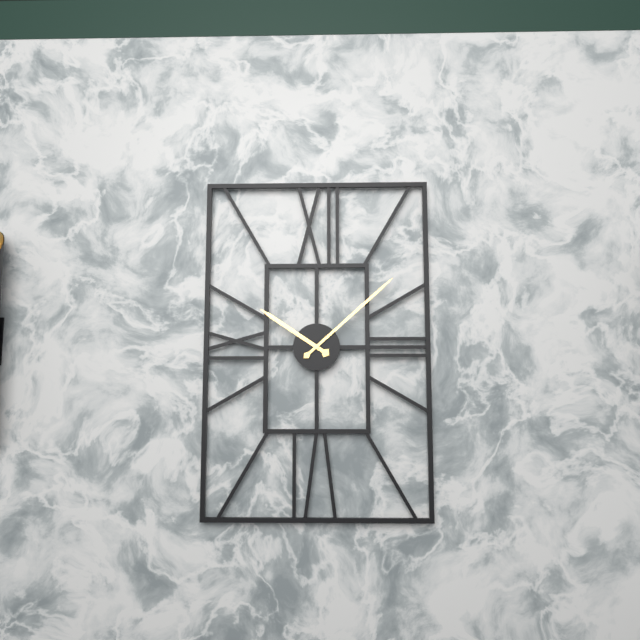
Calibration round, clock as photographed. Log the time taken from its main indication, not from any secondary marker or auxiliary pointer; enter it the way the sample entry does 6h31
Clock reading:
10h08
